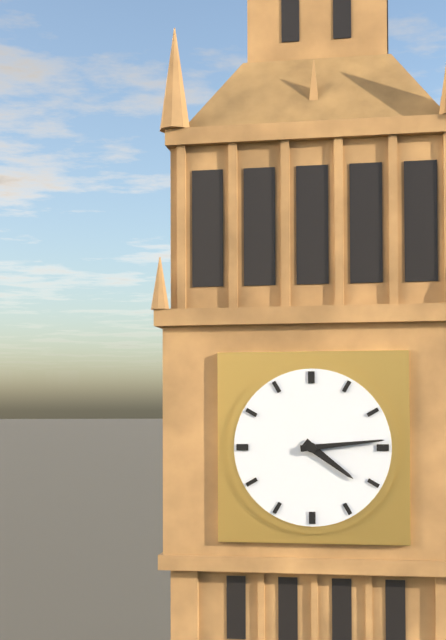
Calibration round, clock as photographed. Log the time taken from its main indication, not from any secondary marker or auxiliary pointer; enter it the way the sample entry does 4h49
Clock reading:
4h14
